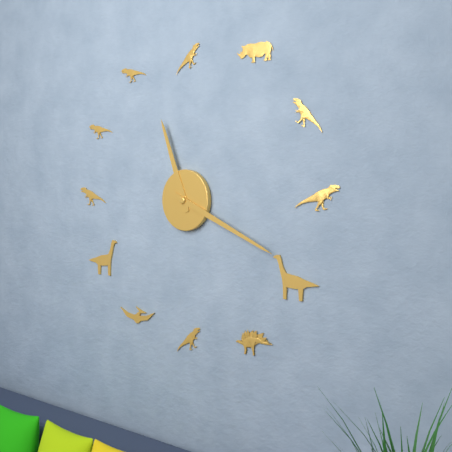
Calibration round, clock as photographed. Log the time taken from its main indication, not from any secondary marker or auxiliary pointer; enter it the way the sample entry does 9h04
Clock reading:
11h19
